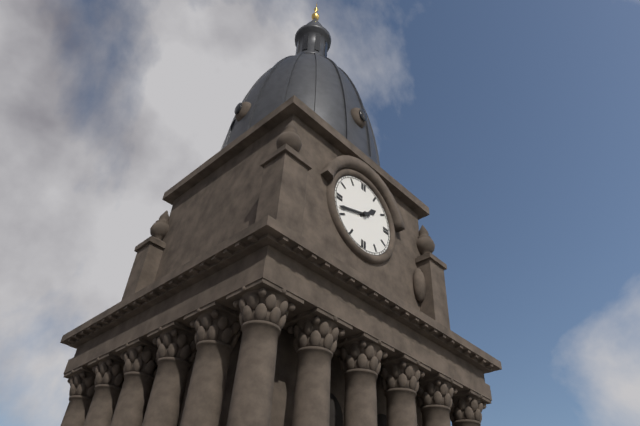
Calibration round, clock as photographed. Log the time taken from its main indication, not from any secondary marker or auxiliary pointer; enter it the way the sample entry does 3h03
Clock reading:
1h42
